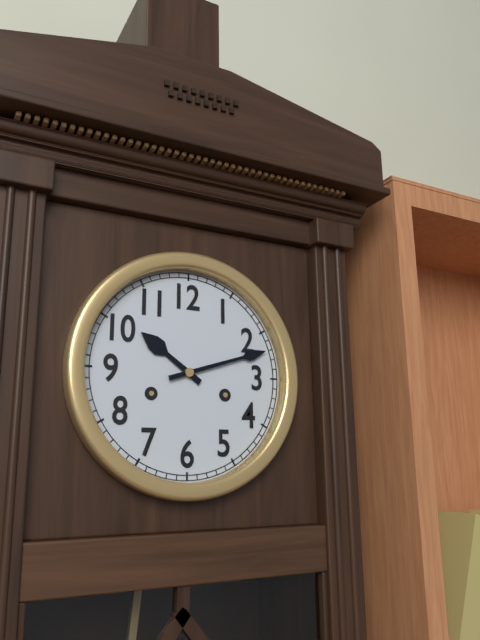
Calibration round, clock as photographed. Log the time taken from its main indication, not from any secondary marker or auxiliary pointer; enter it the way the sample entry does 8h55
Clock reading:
10h12
